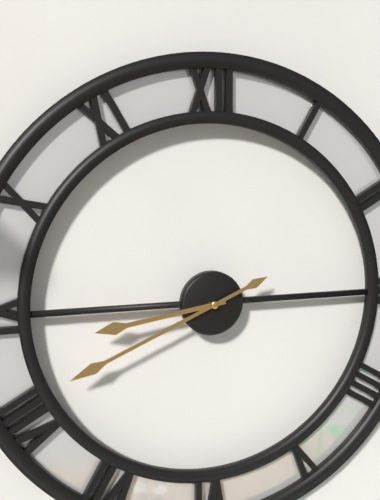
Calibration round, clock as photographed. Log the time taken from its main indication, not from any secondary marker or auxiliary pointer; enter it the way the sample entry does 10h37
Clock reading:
8h41
